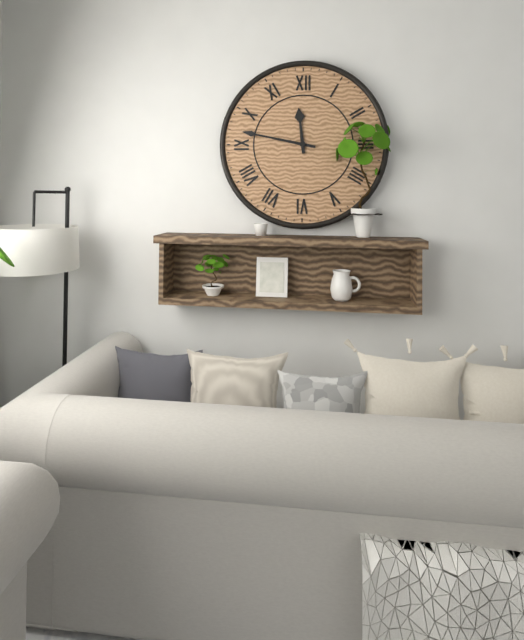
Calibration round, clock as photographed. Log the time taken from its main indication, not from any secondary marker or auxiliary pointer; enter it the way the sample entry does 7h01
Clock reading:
11h47
